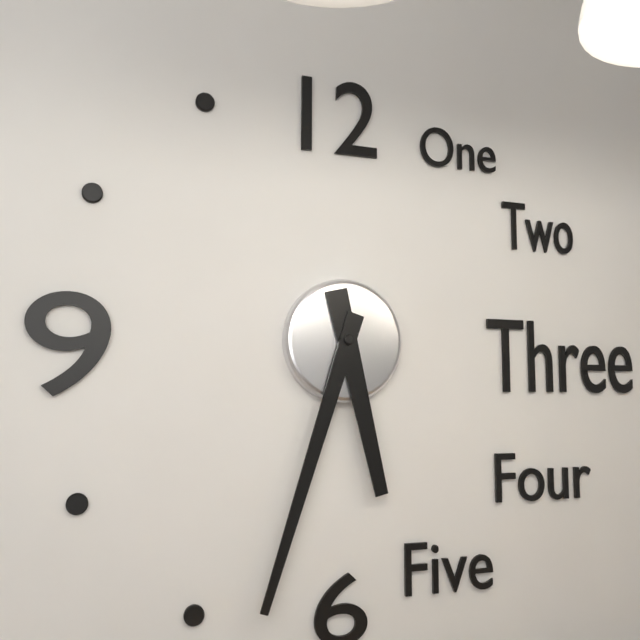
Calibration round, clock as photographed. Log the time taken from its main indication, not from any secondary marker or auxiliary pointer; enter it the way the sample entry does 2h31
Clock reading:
5h33
